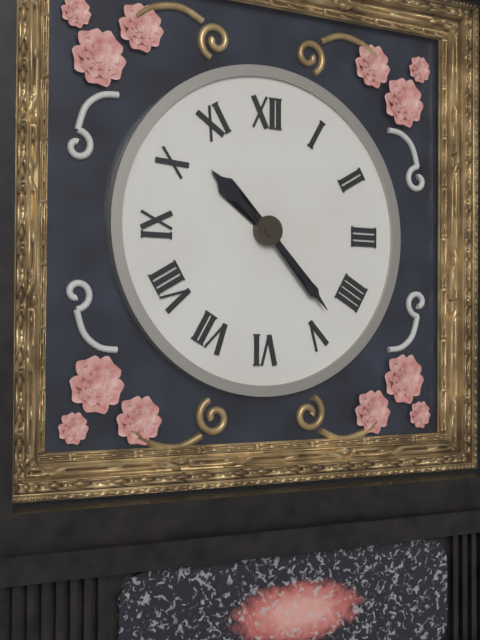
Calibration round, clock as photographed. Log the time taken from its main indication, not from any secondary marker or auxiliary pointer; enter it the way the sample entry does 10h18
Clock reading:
10h23
